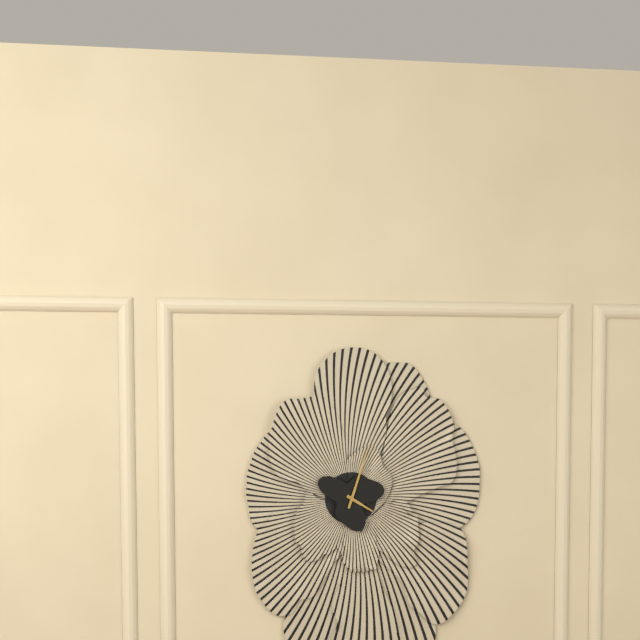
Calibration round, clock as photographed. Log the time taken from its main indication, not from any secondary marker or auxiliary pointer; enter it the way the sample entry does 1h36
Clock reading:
4h03
